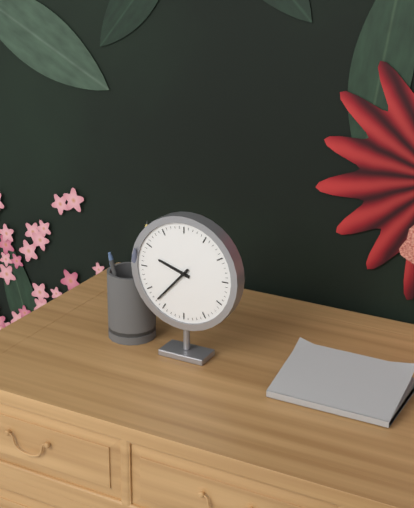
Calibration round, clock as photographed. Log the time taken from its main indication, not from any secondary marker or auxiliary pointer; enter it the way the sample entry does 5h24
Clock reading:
9h37
